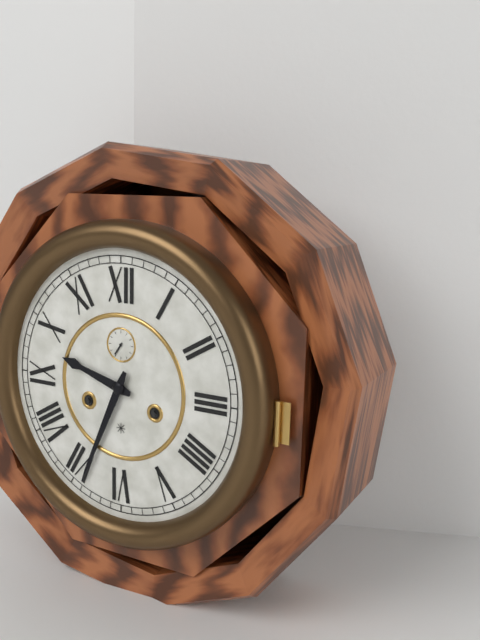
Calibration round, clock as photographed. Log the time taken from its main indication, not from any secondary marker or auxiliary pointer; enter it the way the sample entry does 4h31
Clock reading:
9h34
